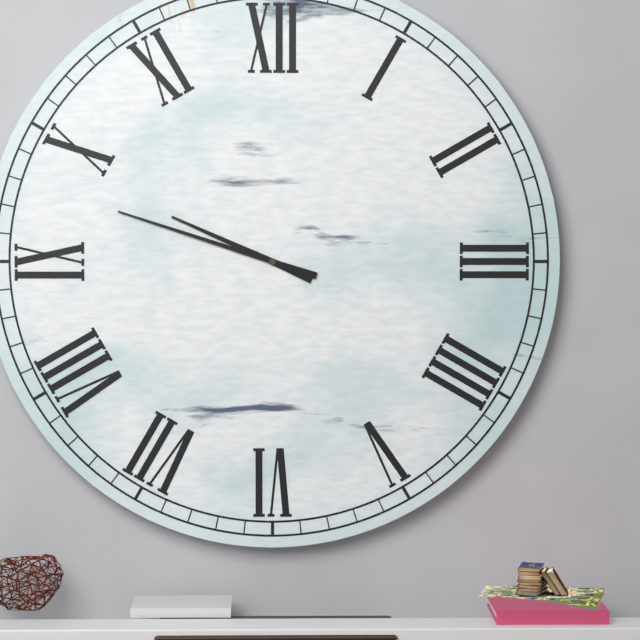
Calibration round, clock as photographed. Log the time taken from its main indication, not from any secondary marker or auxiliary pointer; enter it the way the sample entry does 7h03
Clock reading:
9h48
